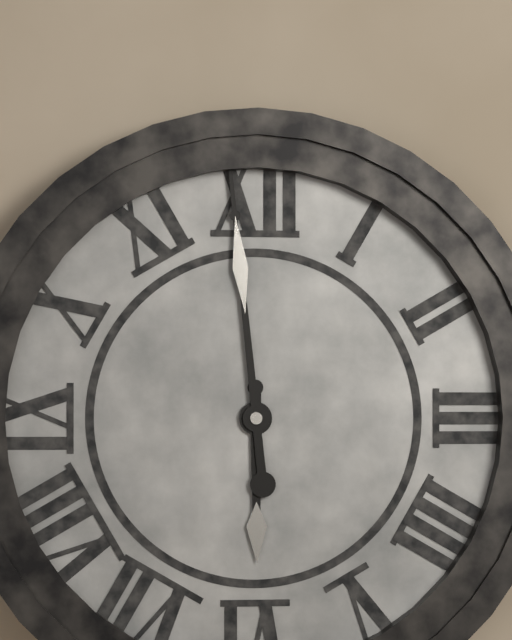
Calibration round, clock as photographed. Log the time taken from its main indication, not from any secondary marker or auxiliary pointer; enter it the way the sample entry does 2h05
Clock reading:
5h59
